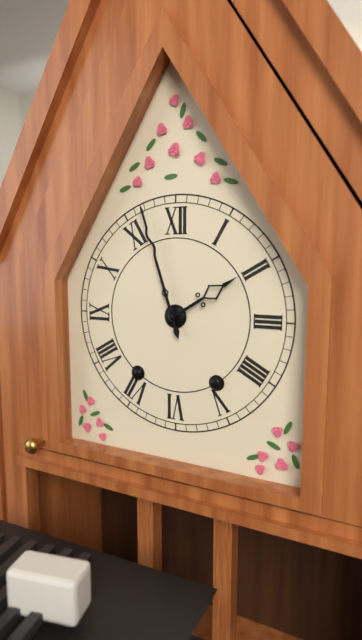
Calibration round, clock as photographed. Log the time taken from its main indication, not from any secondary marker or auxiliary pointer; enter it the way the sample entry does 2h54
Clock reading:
1h57
